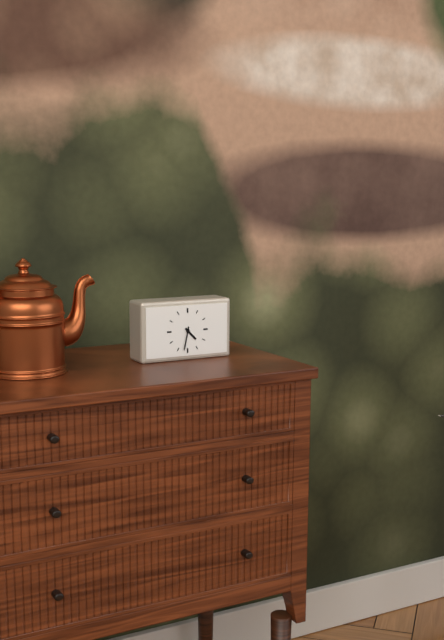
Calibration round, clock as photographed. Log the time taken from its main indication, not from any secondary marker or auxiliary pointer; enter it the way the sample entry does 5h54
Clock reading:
4h32
